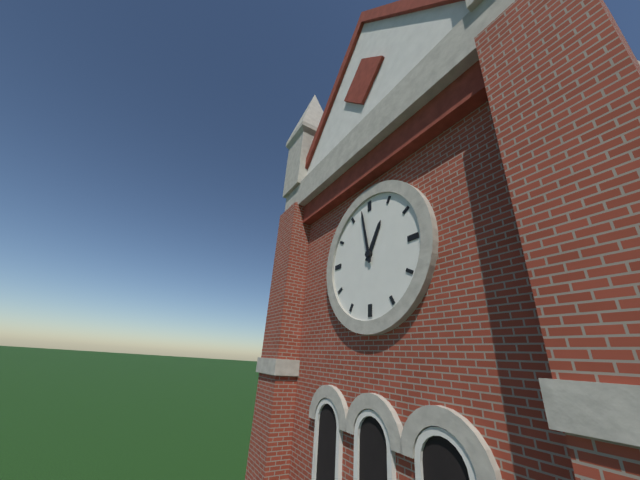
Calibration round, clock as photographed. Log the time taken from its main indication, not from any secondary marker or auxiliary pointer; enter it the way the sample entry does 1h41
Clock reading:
12h58
